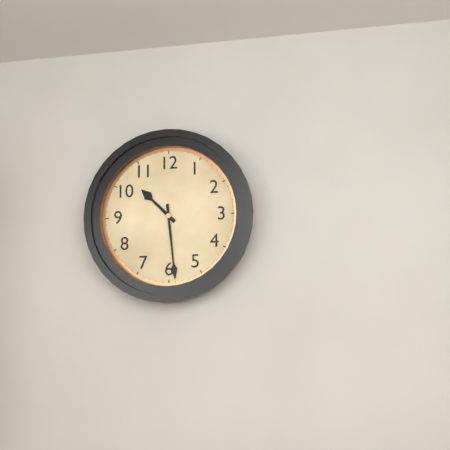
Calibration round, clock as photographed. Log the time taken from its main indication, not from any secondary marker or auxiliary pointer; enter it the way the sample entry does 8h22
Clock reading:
10h29
